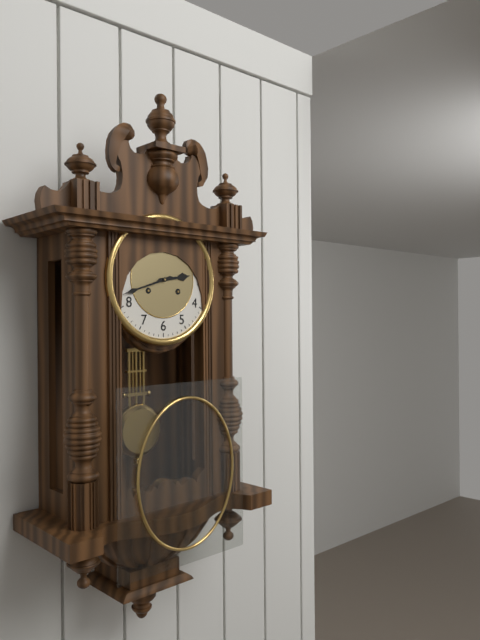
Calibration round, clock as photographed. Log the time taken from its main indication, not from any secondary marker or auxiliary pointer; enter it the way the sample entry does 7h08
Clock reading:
2h42
